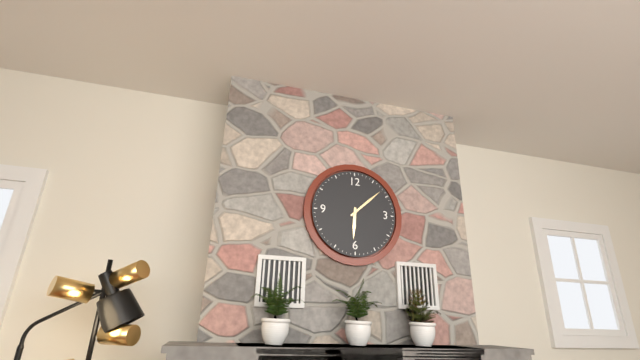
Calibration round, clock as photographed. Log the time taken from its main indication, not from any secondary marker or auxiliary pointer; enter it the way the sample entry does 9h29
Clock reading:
6h08
